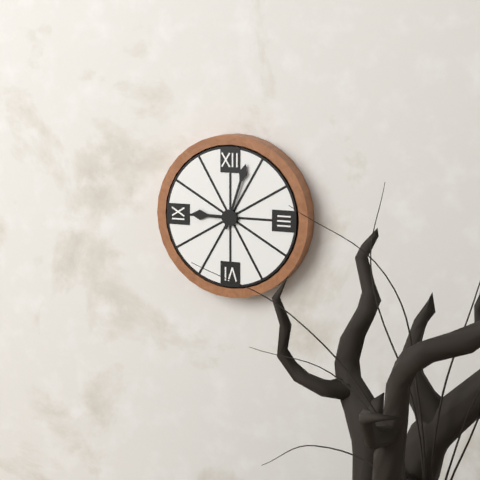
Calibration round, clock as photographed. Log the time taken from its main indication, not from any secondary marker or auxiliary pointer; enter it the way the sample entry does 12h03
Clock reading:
9h03
